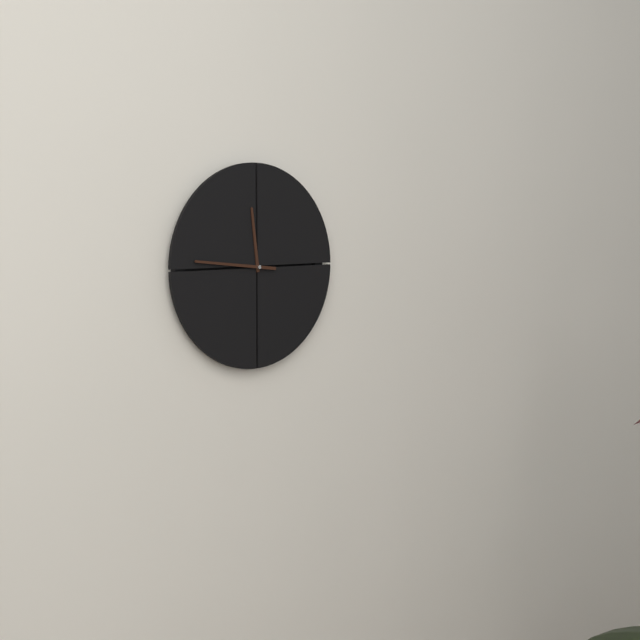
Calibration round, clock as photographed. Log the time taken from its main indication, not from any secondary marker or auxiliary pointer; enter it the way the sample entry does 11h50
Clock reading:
11h46
